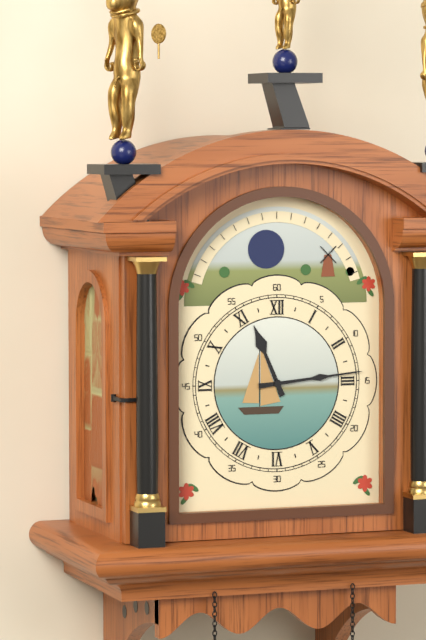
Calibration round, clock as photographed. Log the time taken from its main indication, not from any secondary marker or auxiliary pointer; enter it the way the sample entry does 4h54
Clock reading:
11h14
